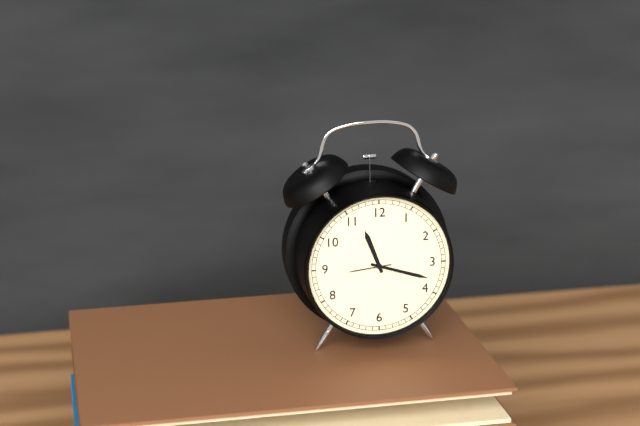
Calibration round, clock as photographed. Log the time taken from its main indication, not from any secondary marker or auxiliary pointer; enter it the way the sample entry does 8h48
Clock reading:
11h18
